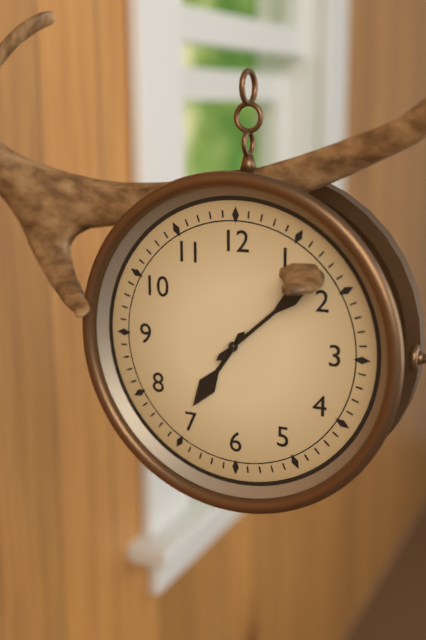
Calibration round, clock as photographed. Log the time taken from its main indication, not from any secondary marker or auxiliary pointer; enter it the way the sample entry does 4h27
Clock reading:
7h08
